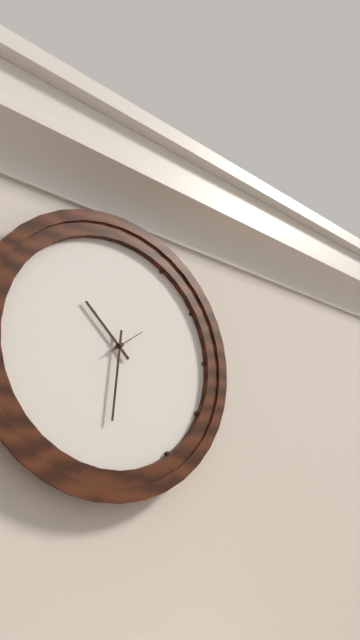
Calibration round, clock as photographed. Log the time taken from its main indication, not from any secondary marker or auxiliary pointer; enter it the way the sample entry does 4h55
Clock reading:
10h31
